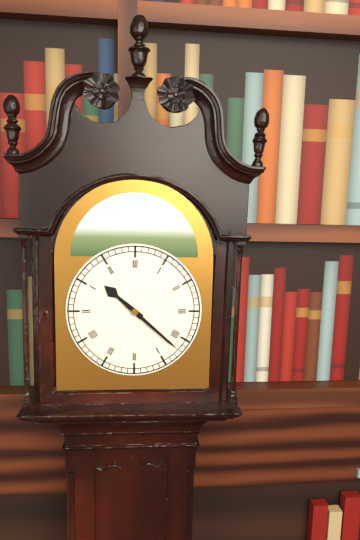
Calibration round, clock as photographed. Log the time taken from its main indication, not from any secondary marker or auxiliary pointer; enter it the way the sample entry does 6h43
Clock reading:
10h22
